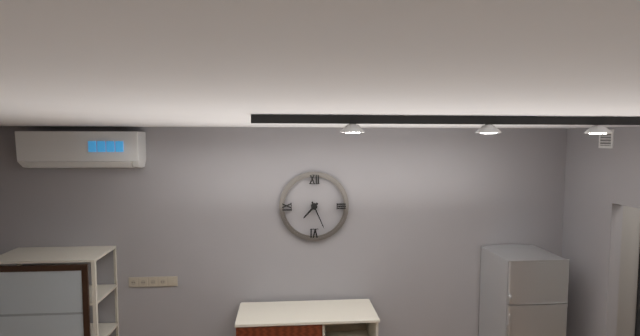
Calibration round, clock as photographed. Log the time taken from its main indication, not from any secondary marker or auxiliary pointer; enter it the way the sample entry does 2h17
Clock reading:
7h26
